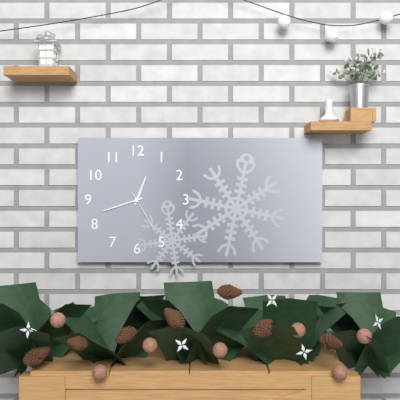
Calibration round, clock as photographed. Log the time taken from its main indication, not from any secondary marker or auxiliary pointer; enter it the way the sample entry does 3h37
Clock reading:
12h42
